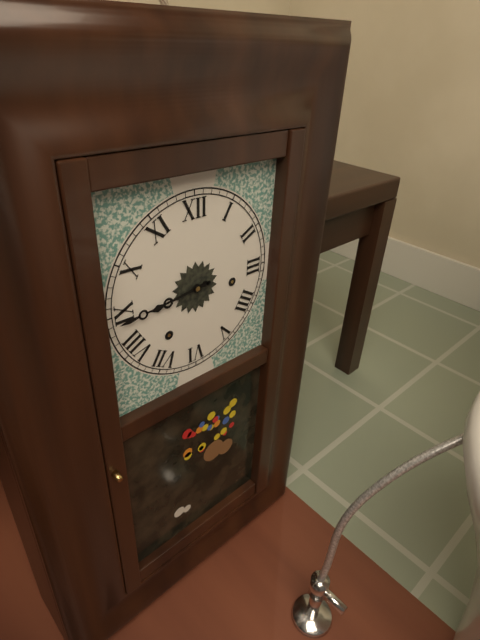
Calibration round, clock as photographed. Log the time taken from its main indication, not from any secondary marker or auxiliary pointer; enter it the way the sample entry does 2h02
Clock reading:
8h44
